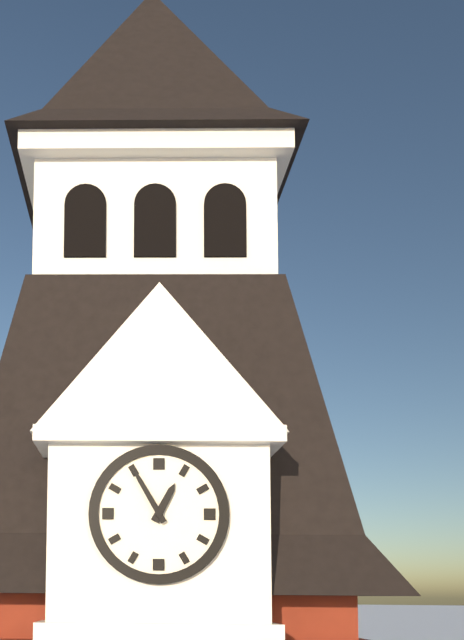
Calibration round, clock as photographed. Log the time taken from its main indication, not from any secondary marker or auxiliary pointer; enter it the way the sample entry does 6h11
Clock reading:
12h55
